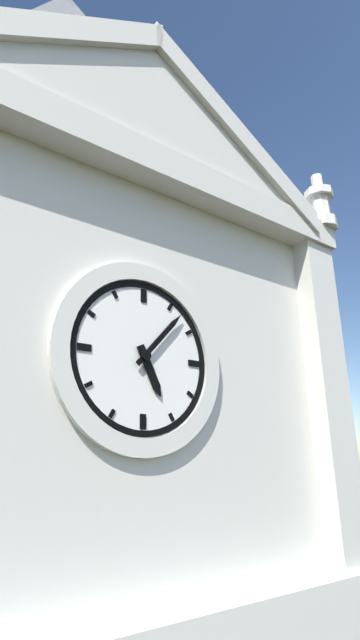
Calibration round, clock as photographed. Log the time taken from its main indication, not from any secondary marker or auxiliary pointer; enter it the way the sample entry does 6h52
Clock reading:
5h07
